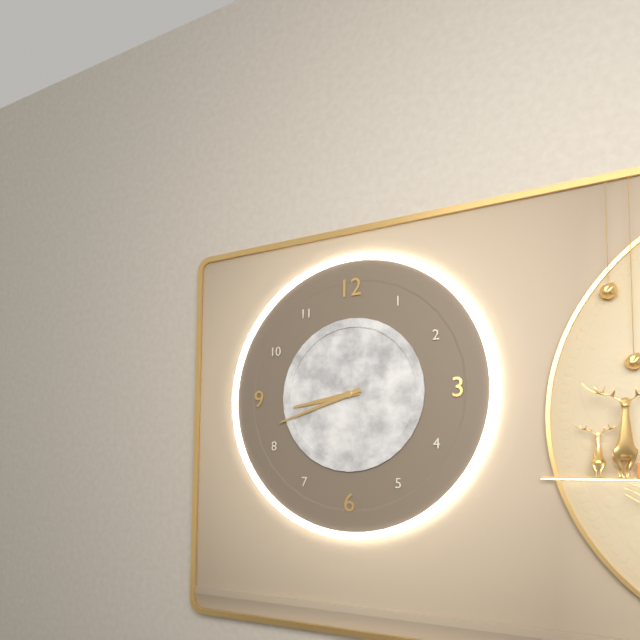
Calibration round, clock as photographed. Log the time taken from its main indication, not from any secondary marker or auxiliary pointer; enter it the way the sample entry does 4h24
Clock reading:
8h42
